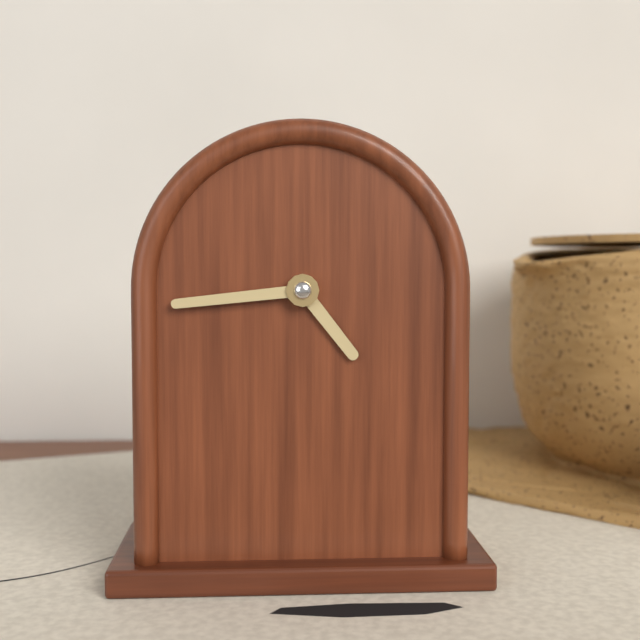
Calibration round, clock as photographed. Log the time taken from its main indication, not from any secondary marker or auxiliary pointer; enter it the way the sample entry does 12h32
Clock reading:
4h44
